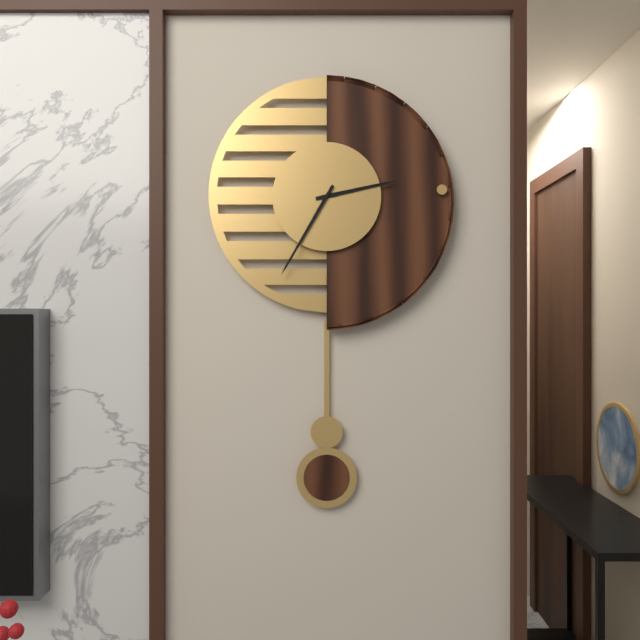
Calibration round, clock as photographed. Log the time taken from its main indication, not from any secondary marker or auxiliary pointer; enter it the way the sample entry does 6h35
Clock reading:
2h35
